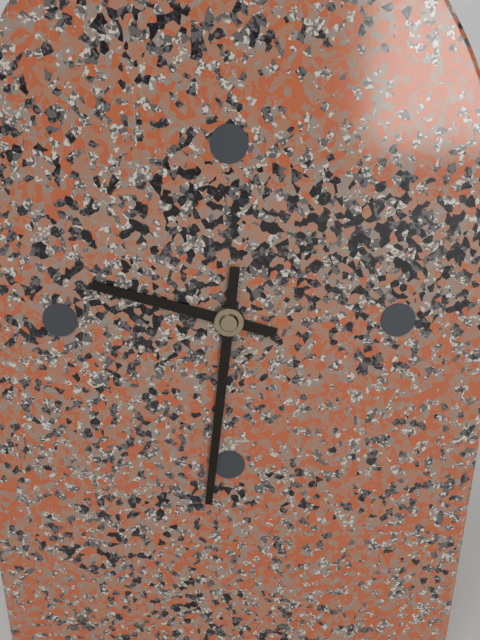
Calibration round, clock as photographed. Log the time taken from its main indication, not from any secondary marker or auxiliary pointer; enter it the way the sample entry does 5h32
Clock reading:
9h31
